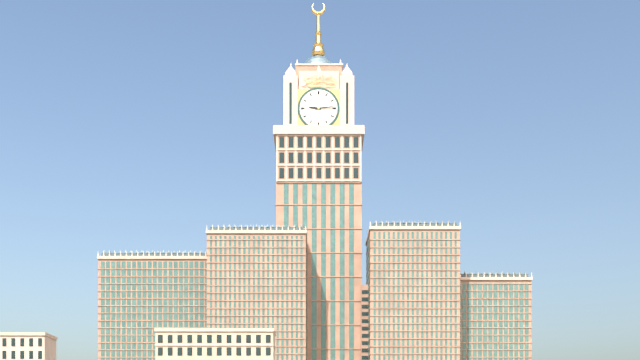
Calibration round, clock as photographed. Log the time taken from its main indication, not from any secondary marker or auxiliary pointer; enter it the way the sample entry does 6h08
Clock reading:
9h14
